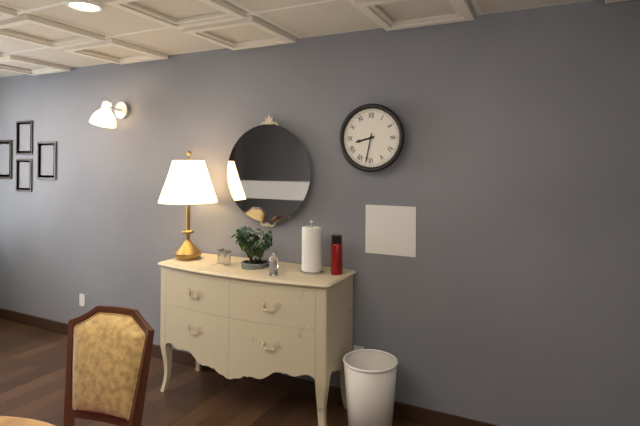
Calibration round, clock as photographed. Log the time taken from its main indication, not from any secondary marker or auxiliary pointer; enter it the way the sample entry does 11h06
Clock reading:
8h32
